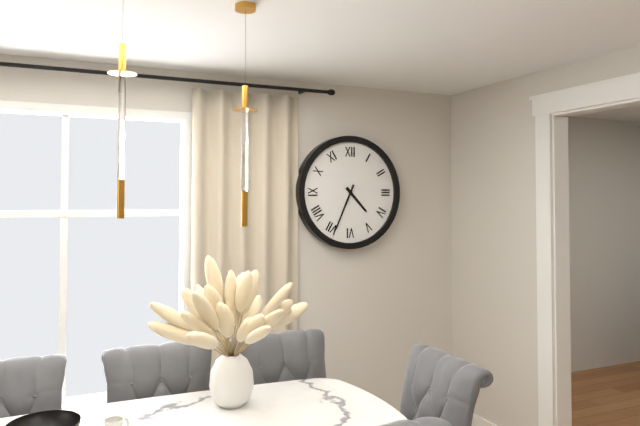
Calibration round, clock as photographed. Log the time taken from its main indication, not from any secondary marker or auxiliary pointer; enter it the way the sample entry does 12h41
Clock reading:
4h34
